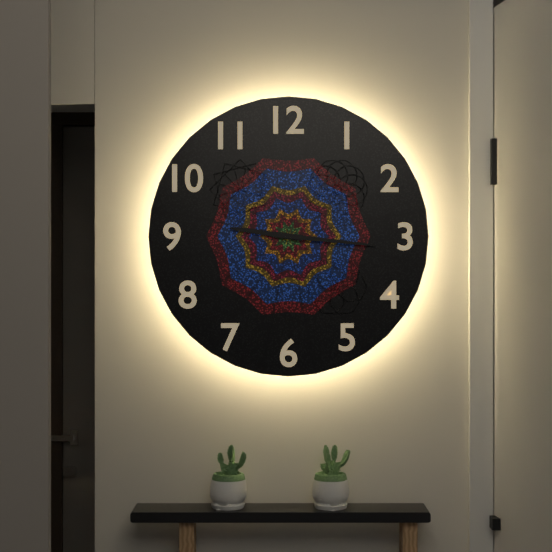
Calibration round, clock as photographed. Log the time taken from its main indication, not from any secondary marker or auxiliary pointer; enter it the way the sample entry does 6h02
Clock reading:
9h16
